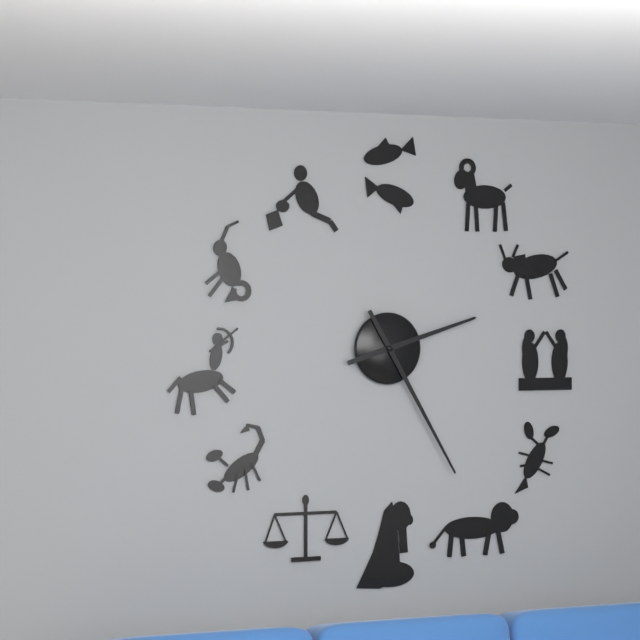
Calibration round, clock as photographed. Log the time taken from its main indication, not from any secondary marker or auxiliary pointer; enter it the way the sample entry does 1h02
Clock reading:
2h25
